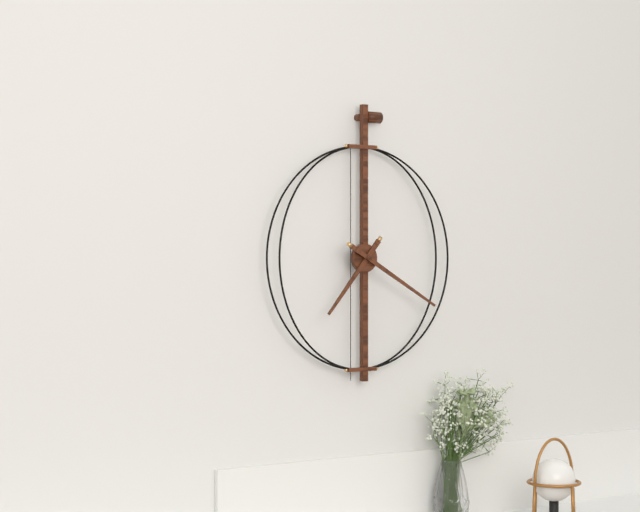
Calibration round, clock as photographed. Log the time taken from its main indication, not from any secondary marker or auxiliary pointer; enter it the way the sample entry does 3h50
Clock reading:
7h20
